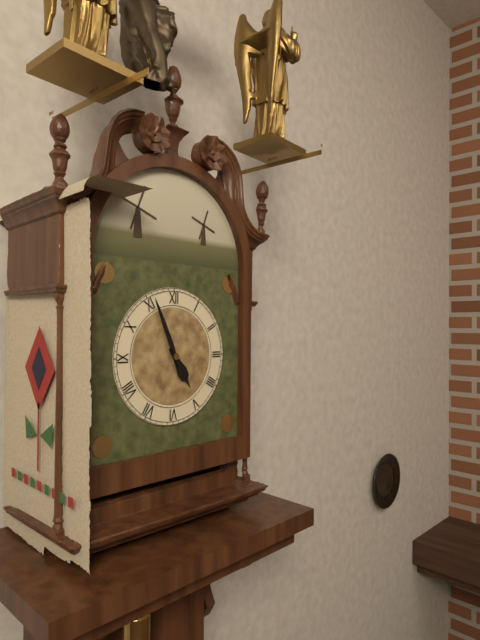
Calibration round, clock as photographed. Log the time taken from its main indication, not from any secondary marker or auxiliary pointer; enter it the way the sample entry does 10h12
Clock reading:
4h56
